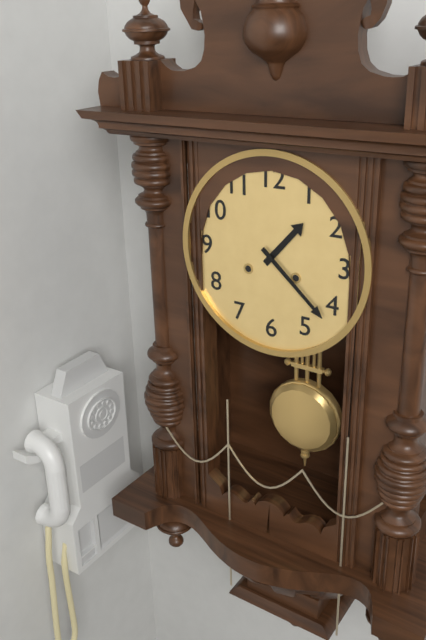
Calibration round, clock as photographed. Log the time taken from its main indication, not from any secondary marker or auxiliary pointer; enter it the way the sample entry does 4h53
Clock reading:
1h22
